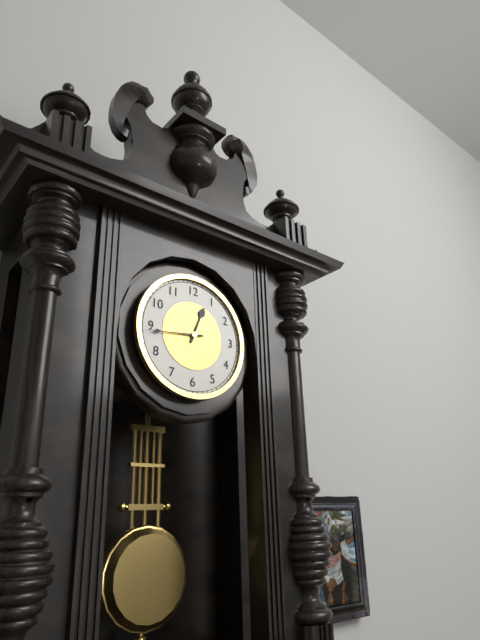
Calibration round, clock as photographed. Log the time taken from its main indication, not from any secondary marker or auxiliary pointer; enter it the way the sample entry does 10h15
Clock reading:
12h44
